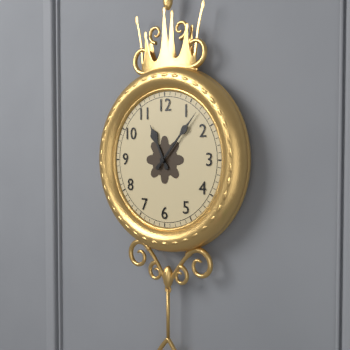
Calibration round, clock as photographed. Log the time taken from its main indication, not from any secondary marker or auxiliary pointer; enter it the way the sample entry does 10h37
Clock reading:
11h07
